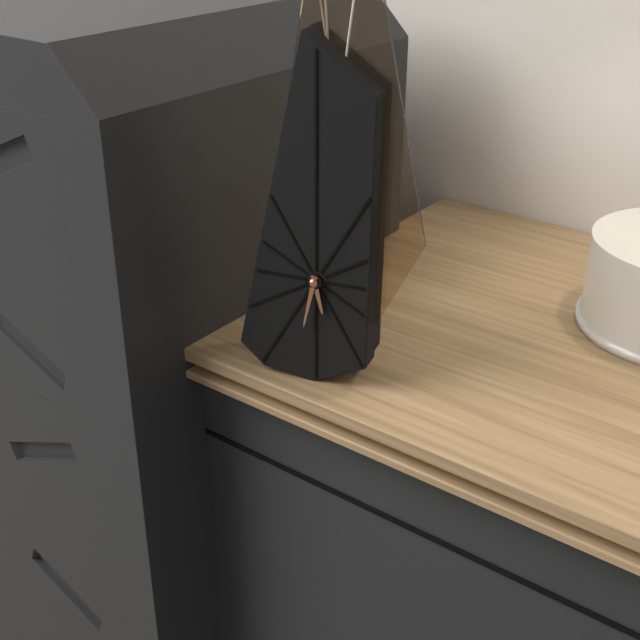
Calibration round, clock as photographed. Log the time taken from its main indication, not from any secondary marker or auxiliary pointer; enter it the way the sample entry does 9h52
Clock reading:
5h32
